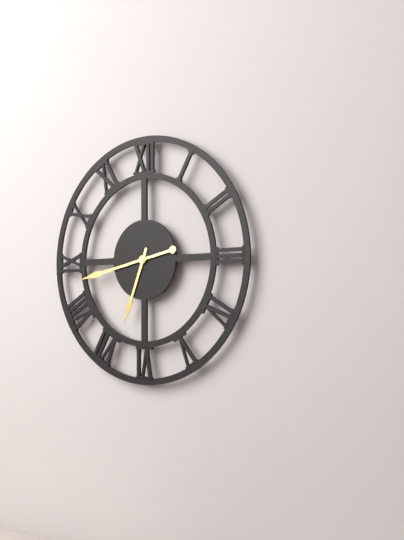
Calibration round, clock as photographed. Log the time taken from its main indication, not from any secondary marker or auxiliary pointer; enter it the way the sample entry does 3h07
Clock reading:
6h43
